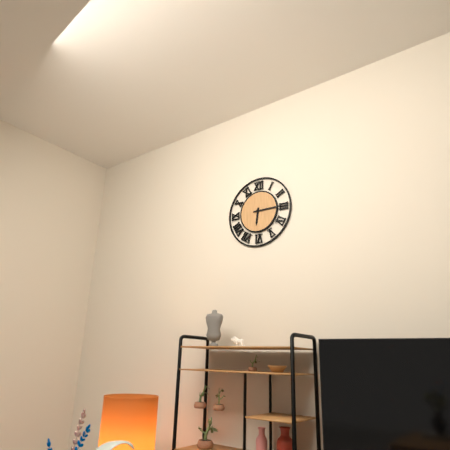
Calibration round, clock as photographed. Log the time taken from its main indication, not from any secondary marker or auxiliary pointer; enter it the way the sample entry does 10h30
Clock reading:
6h15
